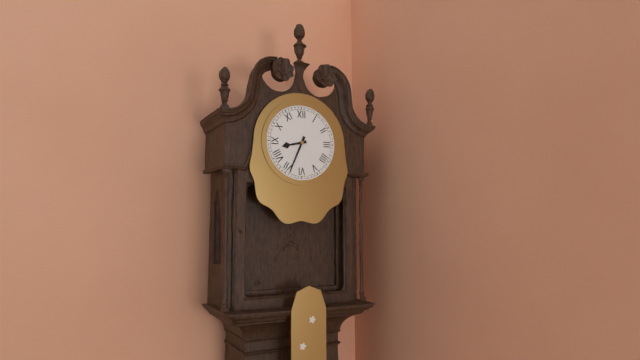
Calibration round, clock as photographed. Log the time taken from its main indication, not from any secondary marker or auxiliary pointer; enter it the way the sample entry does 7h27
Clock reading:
8h34
